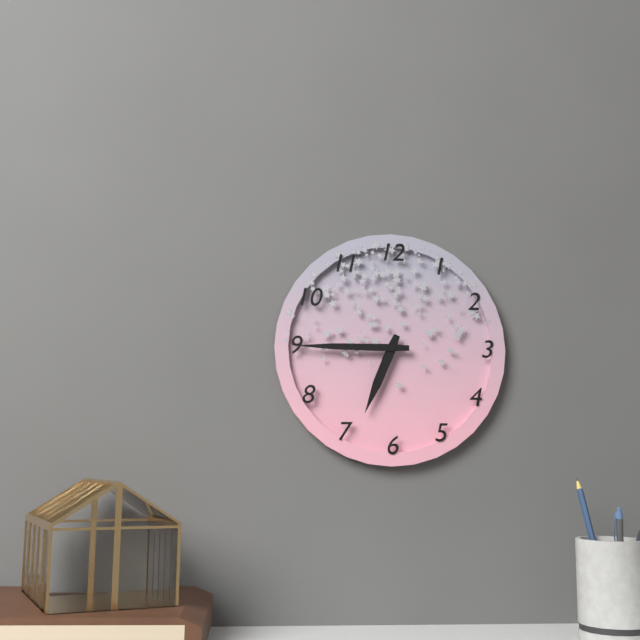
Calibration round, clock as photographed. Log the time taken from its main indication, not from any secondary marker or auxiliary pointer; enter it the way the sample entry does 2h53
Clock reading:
6h45
